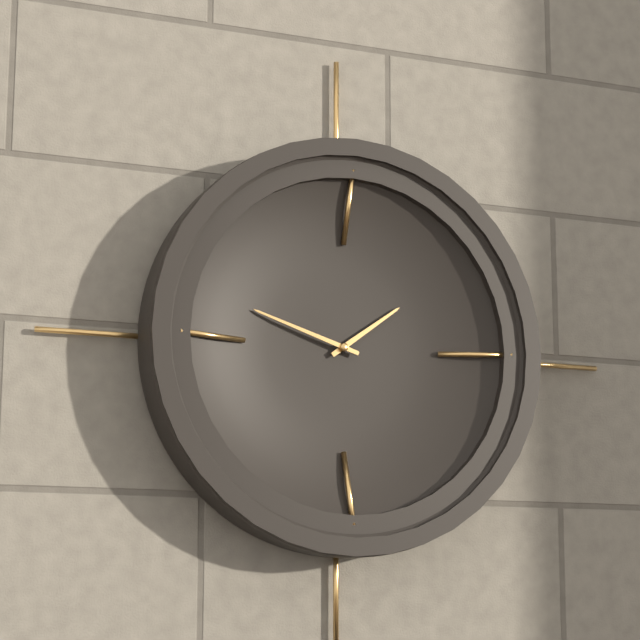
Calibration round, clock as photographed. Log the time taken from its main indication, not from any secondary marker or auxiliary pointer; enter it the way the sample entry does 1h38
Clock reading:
1h48
